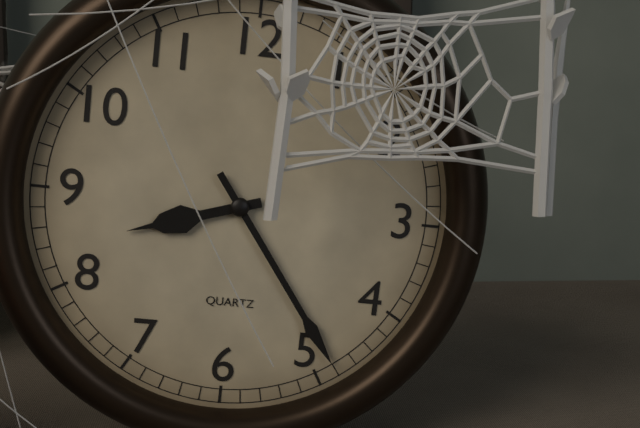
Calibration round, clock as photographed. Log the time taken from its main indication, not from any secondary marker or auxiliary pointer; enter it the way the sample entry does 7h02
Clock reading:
8h24
